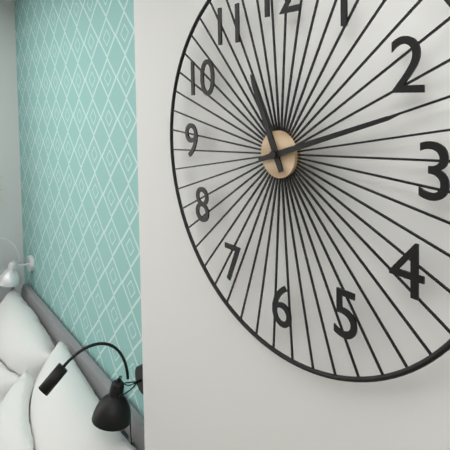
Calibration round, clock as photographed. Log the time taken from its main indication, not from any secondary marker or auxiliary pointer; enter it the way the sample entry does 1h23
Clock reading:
11h12
